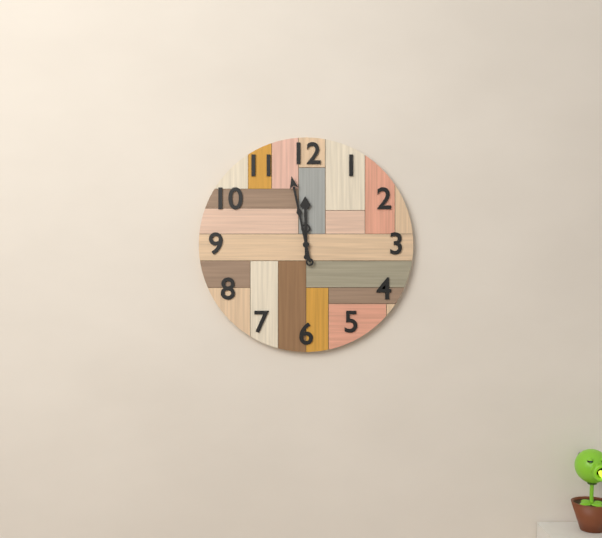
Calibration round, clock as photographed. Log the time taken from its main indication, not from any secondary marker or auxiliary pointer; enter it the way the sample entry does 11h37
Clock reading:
11h58
